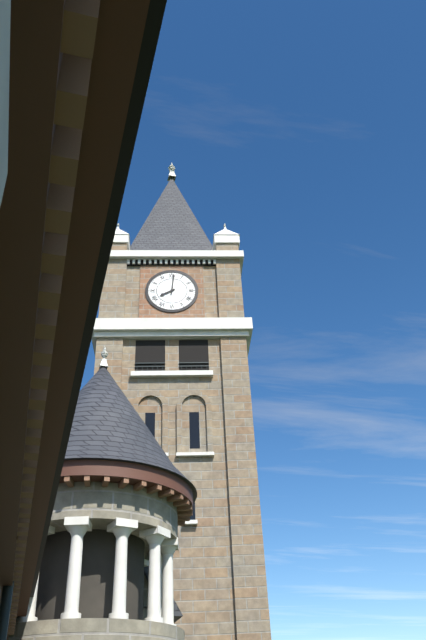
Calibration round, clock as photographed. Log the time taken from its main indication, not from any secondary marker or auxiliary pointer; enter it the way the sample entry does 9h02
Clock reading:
8h01
